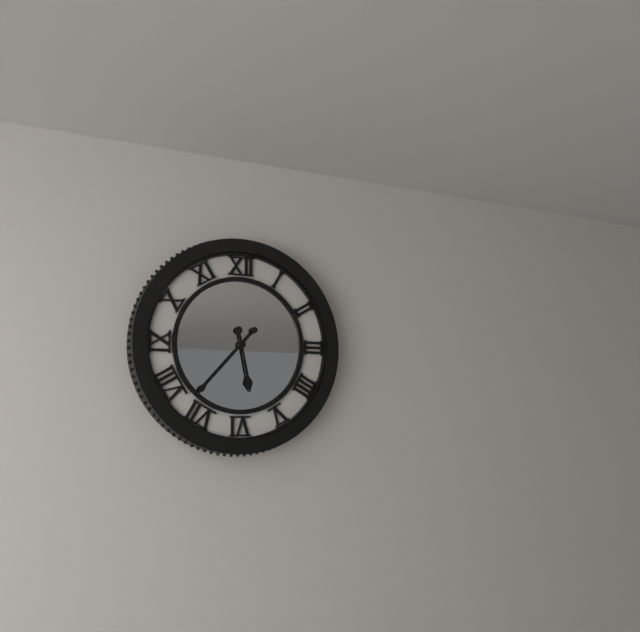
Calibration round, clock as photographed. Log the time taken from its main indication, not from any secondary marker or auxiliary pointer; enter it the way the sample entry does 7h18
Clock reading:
5h37
